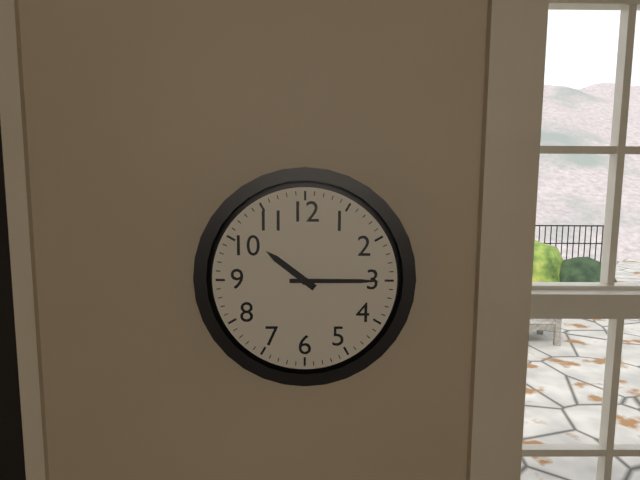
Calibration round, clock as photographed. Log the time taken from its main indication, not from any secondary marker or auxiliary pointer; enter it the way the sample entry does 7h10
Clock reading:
10h15
